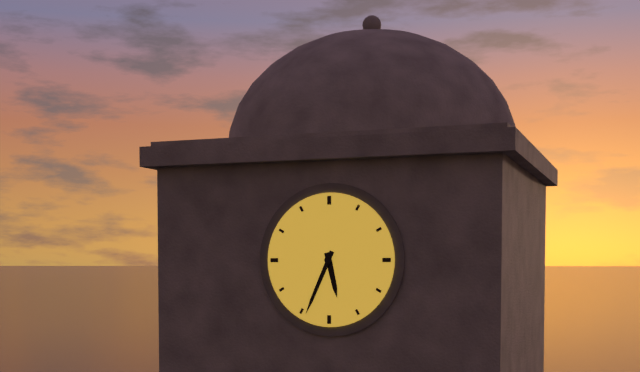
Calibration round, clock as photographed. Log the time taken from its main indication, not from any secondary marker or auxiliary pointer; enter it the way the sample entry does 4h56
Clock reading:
5h34
